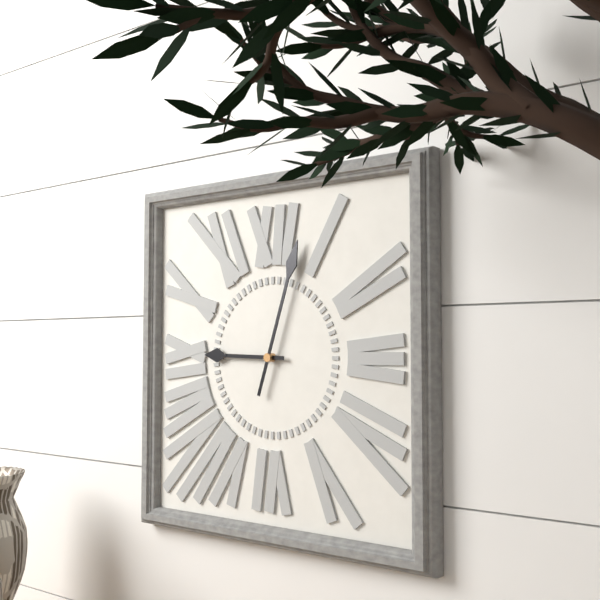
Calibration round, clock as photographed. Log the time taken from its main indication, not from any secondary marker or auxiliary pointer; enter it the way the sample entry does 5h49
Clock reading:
9h03
